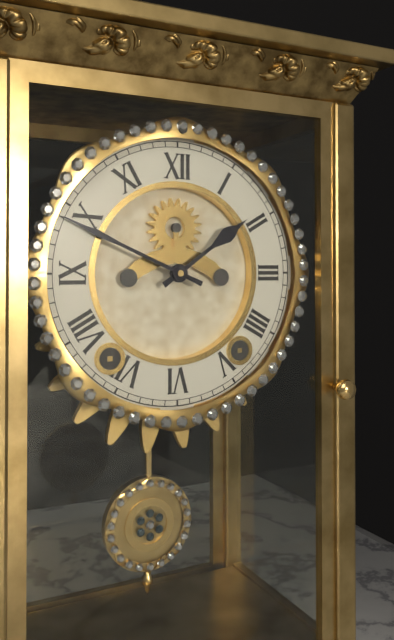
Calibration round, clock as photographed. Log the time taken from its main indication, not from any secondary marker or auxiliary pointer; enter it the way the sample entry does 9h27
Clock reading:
1h49
